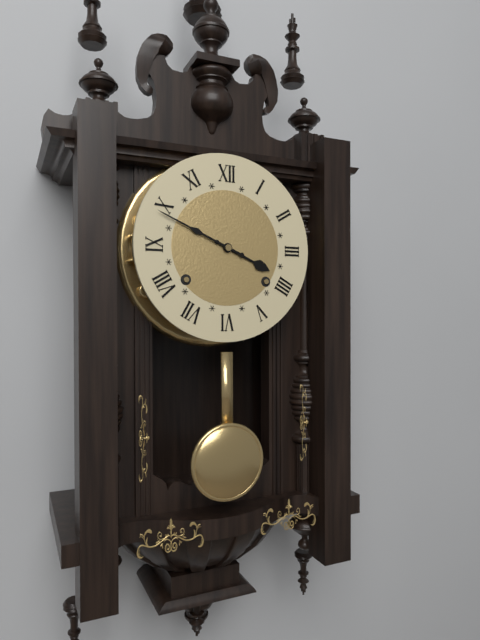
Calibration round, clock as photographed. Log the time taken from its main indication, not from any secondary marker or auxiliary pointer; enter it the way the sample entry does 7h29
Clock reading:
3h49
